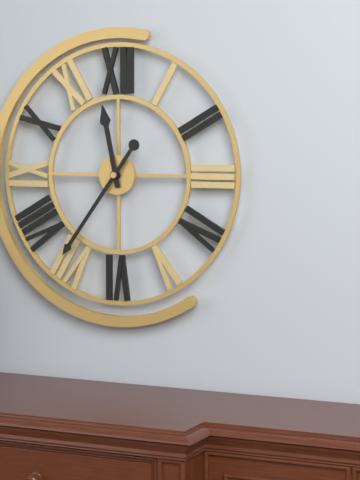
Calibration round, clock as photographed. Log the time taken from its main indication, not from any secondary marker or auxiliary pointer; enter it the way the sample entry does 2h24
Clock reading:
11h36
